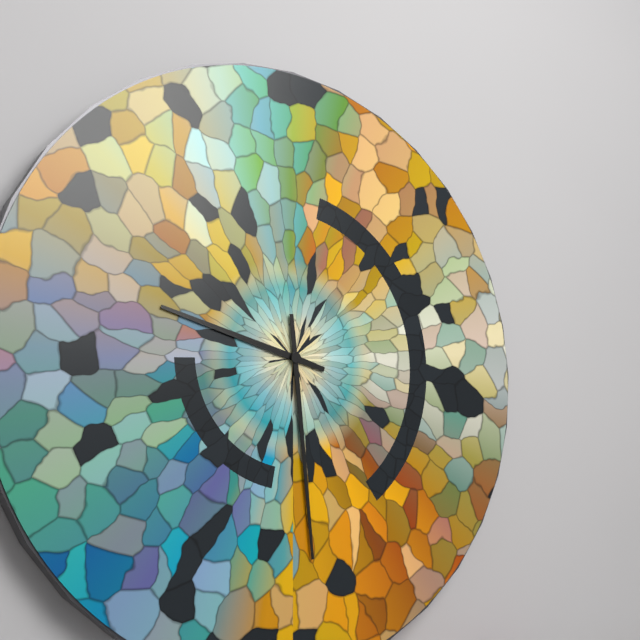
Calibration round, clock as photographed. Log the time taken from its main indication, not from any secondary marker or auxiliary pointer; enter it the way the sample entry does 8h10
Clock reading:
9h29
